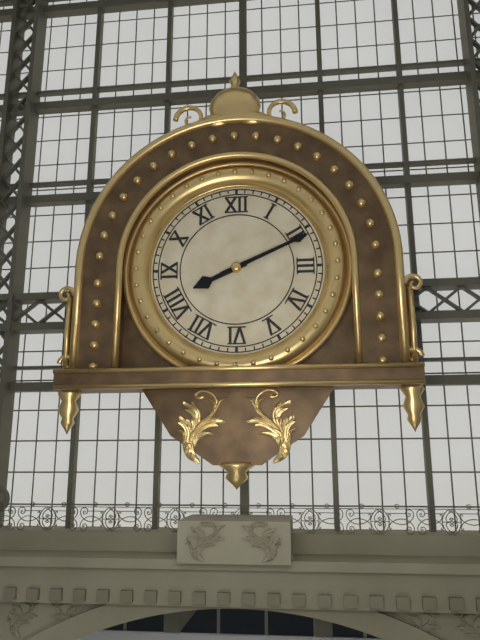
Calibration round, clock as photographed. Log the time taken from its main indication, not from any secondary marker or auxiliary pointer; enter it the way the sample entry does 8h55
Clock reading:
8h11
